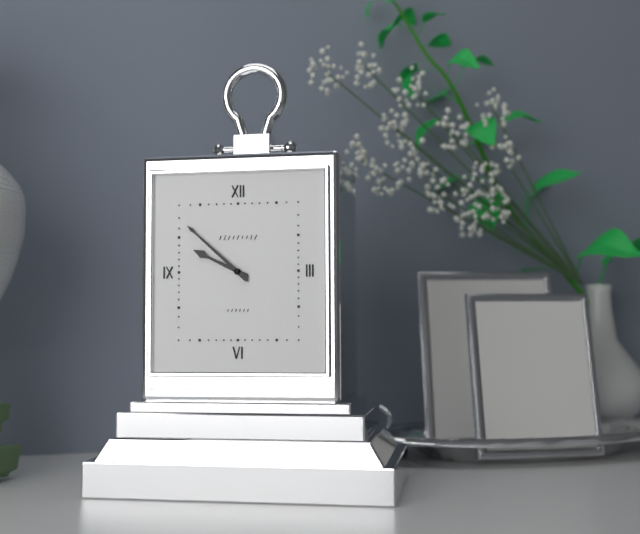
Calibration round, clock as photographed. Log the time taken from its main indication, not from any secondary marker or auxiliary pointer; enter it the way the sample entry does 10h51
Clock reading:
9h52
